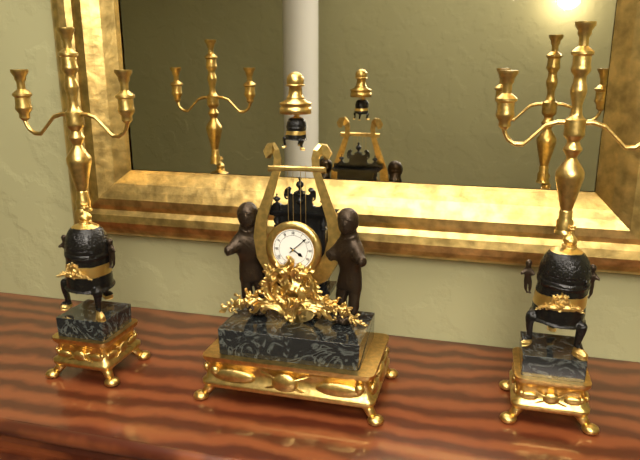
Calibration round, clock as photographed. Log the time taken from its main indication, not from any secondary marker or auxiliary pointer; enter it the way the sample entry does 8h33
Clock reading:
4h08
